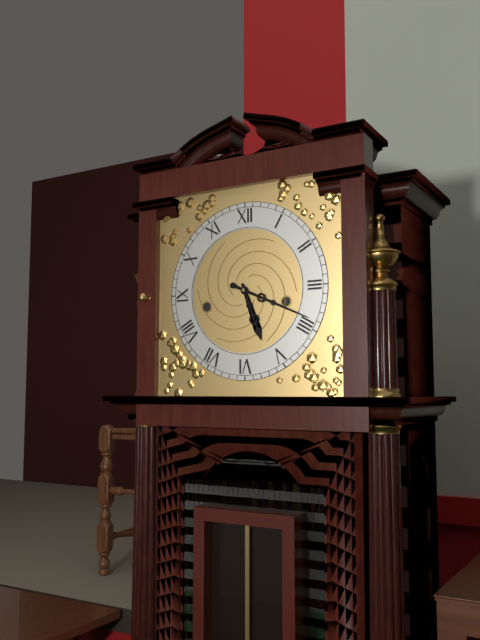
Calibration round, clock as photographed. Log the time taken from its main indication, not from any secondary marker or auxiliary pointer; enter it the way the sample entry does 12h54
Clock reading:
5h19
